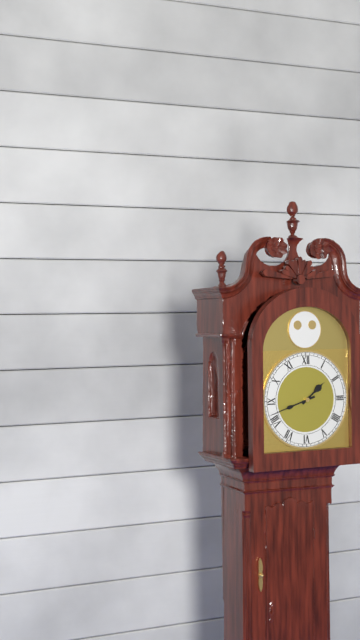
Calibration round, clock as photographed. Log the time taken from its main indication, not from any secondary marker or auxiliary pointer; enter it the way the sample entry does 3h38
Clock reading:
1h42
